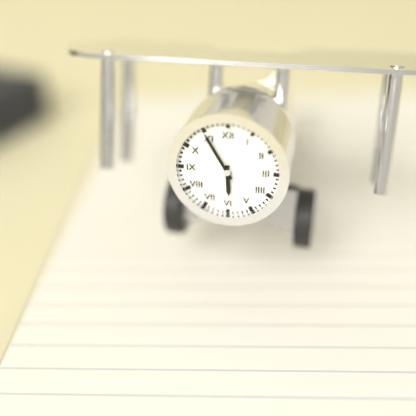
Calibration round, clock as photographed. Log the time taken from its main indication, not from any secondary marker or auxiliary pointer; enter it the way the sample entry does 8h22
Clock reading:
5h55
